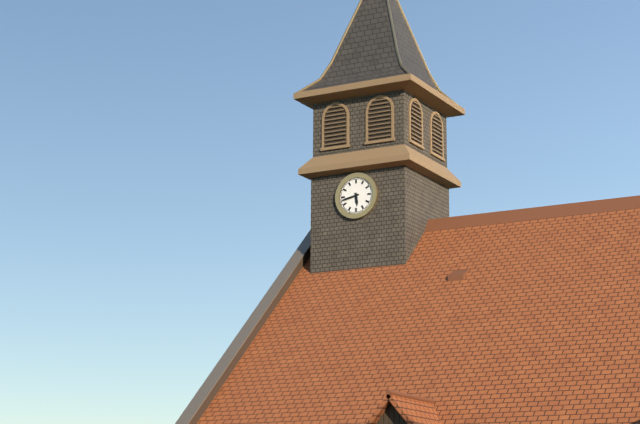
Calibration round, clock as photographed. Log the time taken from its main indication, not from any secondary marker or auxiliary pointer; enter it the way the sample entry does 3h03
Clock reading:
5h43
